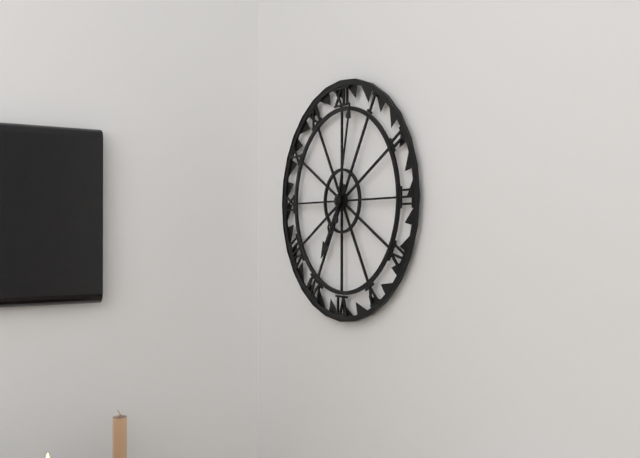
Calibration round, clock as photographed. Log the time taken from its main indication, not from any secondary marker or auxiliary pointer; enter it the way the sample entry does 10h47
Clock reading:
7h02
